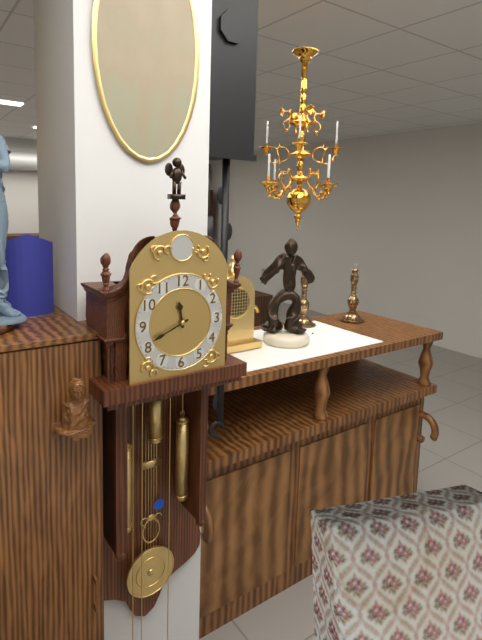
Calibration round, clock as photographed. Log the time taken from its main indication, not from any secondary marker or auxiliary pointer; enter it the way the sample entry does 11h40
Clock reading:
11h41
